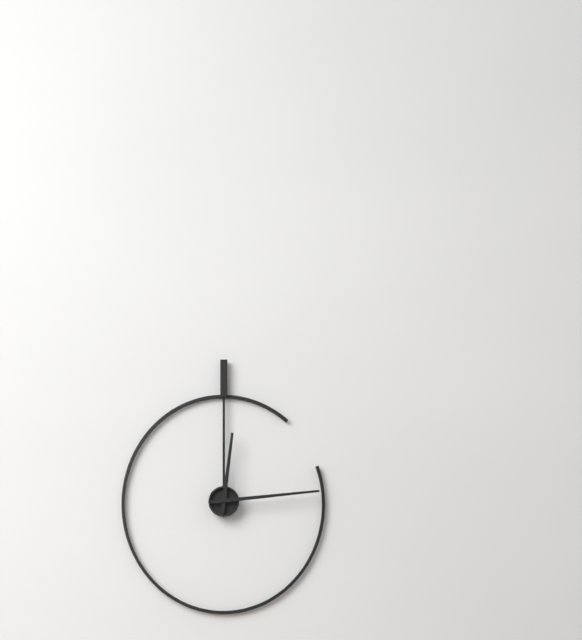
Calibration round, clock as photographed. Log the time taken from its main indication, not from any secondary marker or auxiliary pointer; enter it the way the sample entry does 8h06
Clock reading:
12h14
